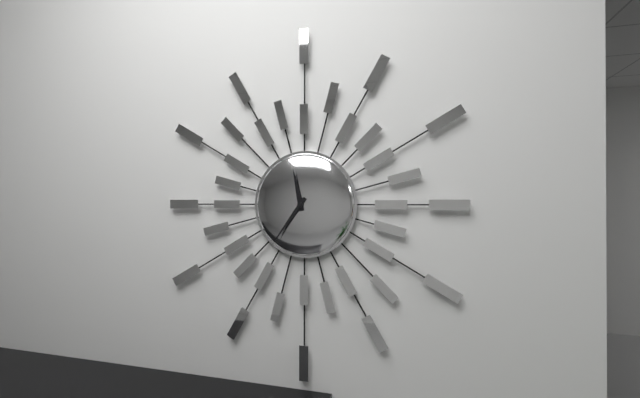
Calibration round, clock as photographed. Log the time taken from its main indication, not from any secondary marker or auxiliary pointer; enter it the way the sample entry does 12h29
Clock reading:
11h36
